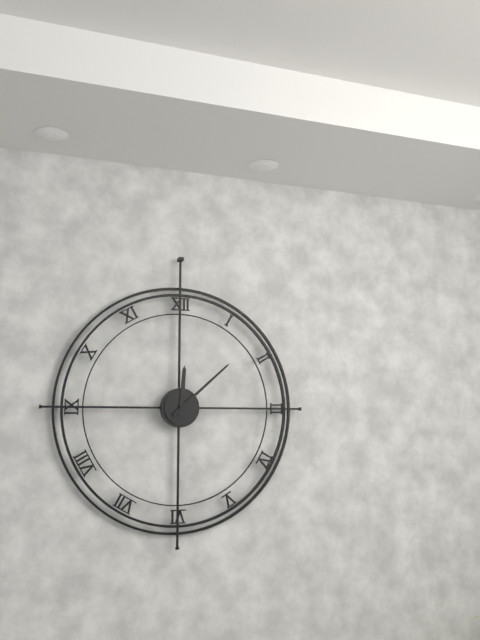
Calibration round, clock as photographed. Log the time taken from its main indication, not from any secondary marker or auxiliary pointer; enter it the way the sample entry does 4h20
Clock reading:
12h08
